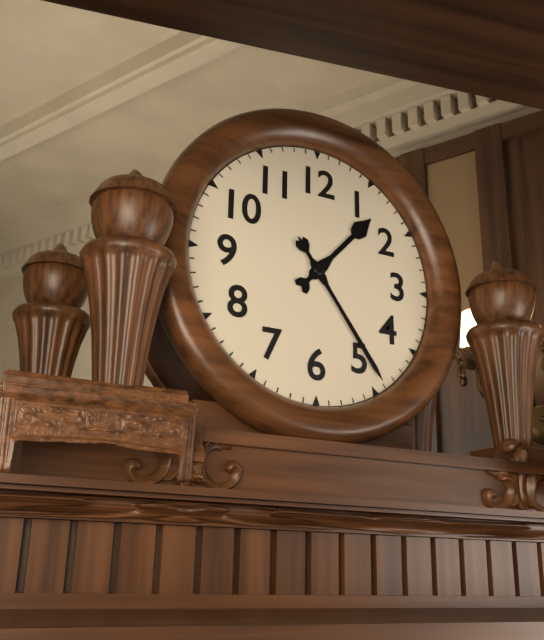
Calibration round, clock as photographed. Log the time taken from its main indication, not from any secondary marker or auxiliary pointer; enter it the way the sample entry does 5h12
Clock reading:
1h24
